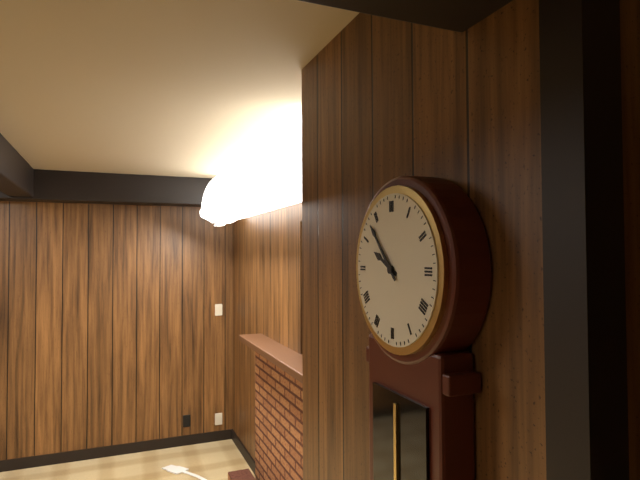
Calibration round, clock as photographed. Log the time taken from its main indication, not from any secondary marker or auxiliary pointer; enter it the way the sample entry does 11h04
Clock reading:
9h53
